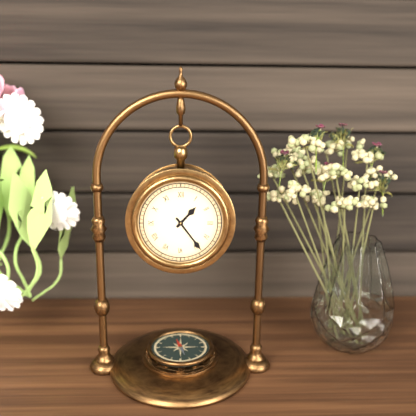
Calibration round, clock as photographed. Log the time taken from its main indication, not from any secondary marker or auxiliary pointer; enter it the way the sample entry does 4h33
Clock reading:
1h24
